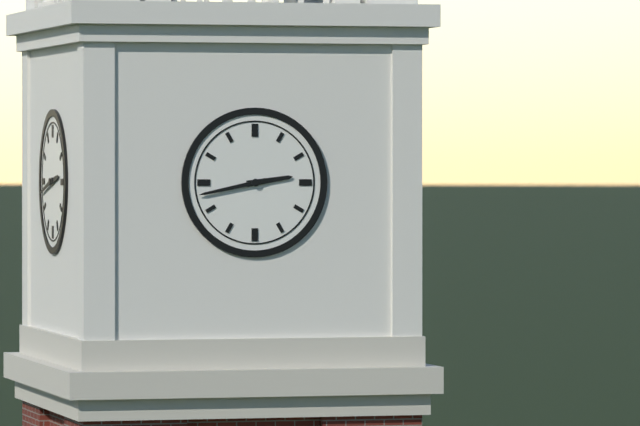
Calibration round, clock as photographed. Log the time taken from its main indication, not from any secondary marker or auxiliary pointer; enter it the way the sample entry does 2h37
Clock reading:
2h43
